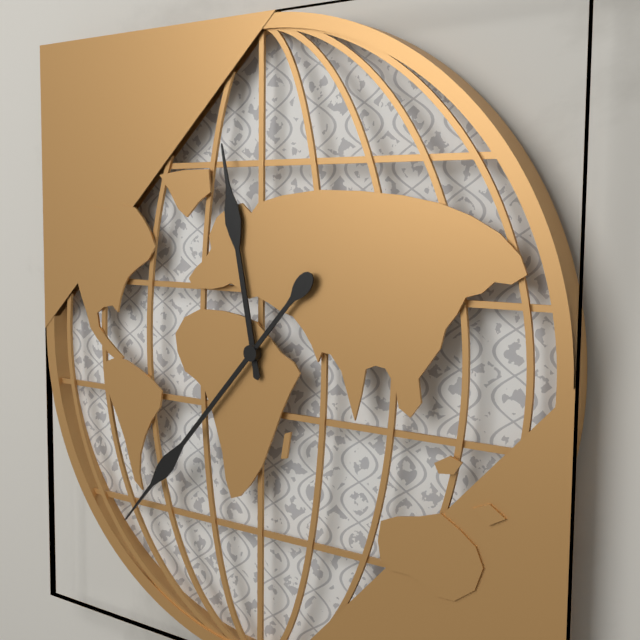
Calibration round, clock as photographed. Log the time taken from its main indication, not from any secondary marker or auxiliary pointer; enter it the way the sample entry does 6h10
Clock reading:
11h37
